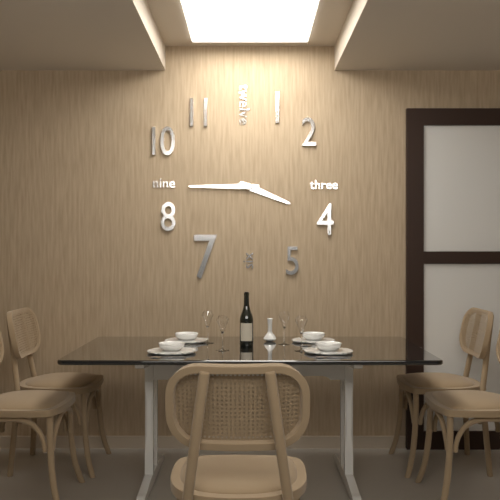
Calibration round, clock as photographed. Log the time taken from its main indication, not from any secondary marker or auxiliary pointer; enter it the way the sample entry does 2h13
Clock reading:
3h45
